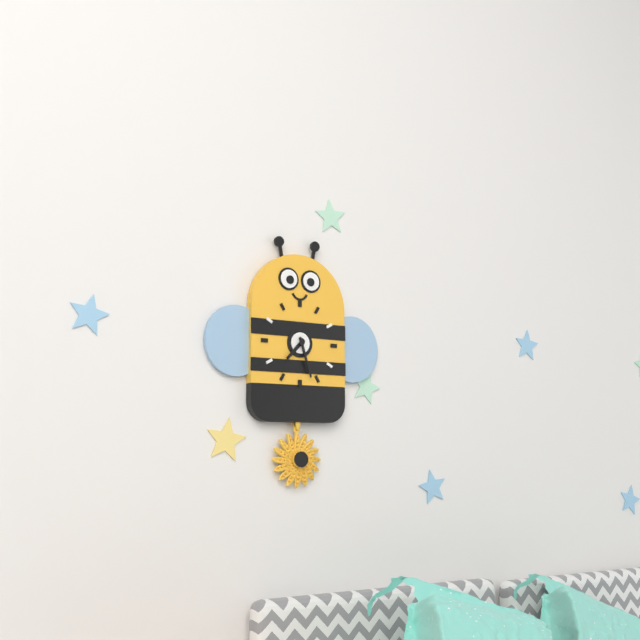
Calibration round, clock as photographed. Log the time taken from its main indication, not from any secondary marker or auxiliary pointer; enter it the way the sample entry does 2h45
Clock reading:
7h27
